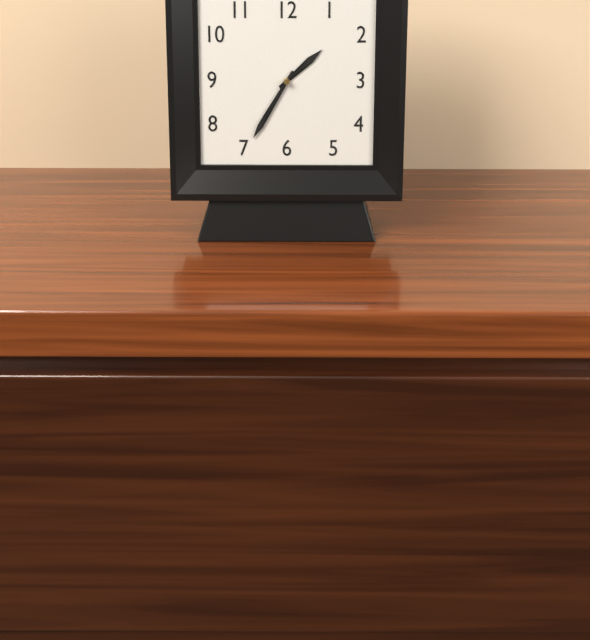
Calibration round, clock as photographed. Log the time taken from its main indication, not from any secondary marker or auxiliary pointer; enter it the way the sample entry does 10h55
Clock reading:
1h35
